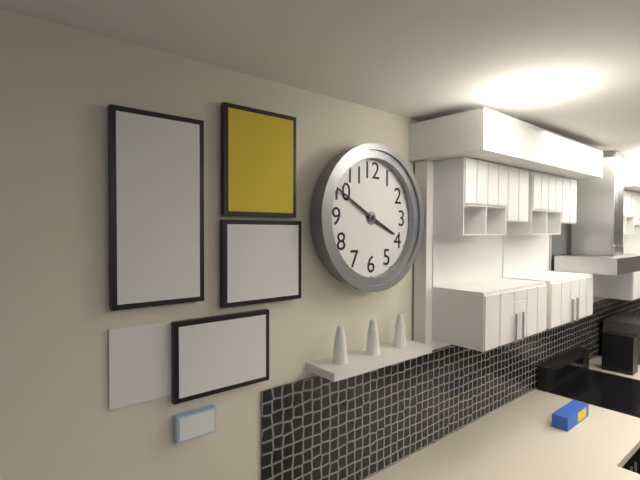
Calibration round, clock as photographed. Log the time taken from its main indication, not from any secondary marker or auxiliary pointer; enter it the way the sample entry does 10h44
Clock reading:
3h50
